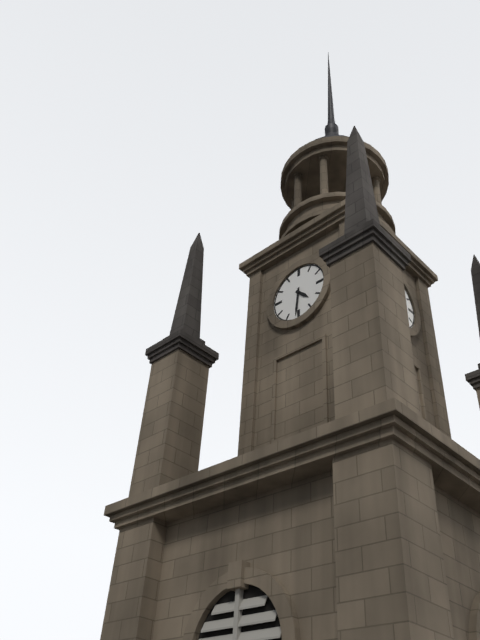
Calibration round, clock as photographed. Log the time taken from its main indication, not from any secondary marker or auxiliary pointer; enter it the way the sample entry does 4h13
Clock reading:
4h31
